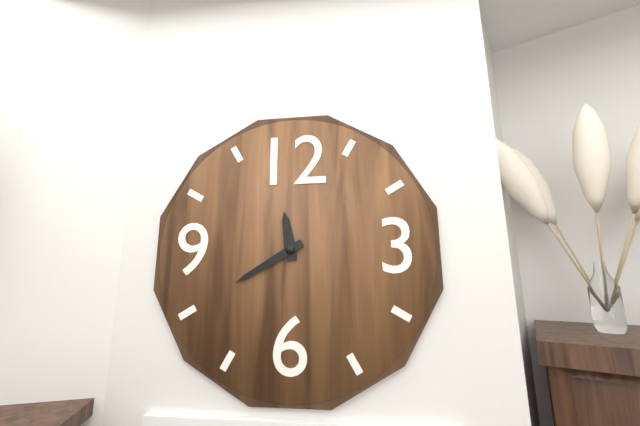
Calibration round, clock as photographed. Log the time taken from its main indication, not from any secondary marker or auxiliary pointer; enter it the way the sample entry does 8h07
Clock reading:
11h40
